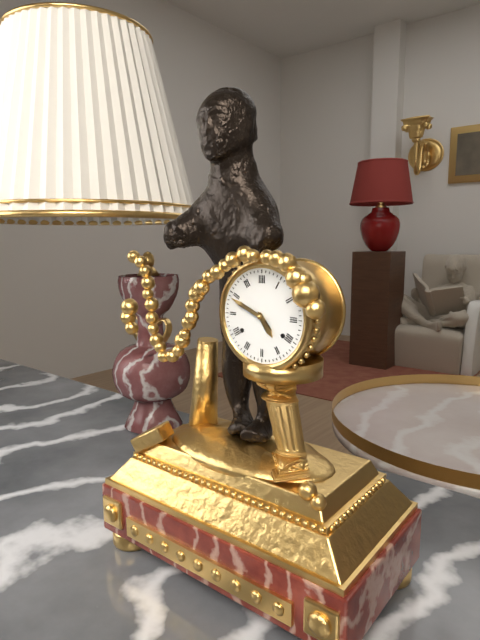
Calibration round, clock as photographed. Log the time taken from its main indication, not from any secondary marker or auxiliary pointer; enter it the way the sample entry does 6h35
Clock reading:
4h49
